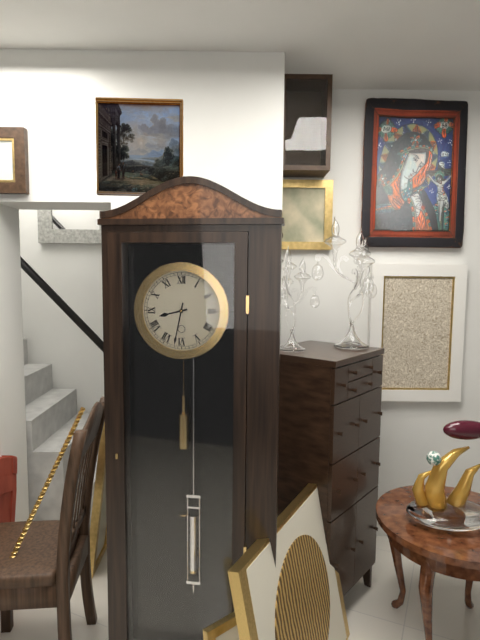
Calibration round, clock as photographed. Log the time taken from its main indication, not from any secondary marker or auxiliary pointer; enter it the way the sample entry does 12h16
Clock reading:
8h32
